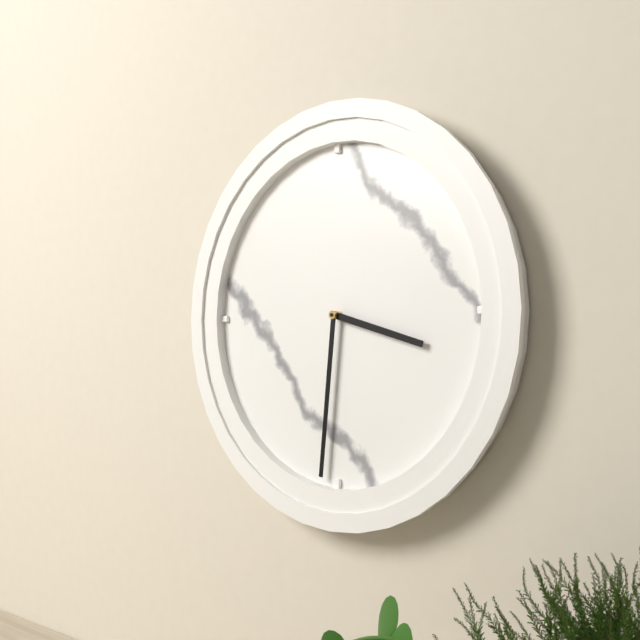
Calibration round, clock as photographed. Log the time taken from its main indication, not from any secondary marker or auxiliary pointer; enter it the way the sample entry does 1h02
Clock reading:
3h31
